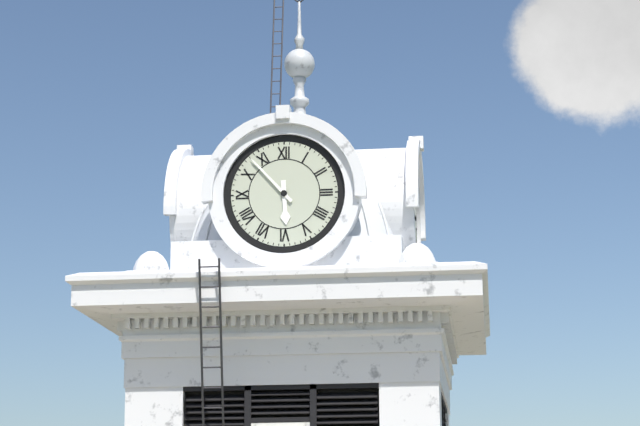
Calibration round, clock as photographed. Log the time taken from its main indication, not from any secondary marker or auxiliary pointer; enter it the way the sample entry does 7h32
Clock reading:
5h53
